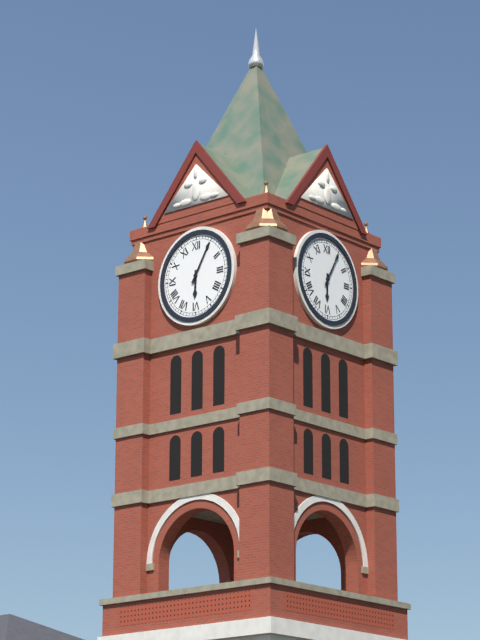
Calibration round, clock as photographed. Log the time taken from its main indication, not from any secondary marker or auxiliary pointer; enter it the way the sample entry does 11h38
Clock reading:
6h05
